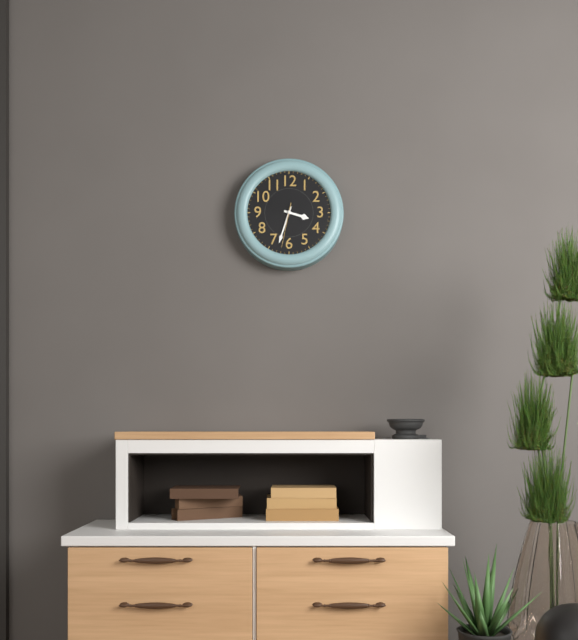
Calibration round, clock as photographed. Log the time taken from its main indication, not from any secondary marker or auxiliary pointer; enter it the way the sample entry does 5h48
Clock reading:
3h33
